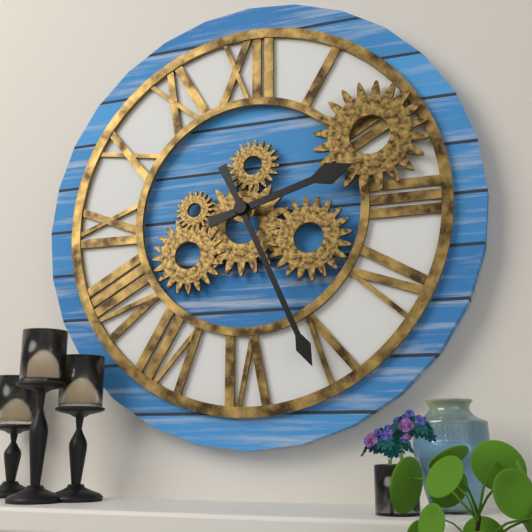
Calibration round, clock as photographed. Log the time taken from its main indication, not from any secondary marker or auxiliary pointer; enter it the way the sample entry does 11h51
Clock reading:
2h26
